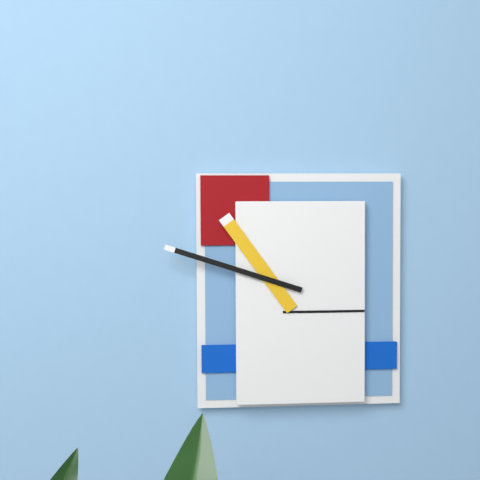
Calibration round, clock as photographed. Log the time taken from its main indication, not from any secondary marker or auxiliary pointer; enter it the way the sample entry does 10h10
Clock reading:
10h48
